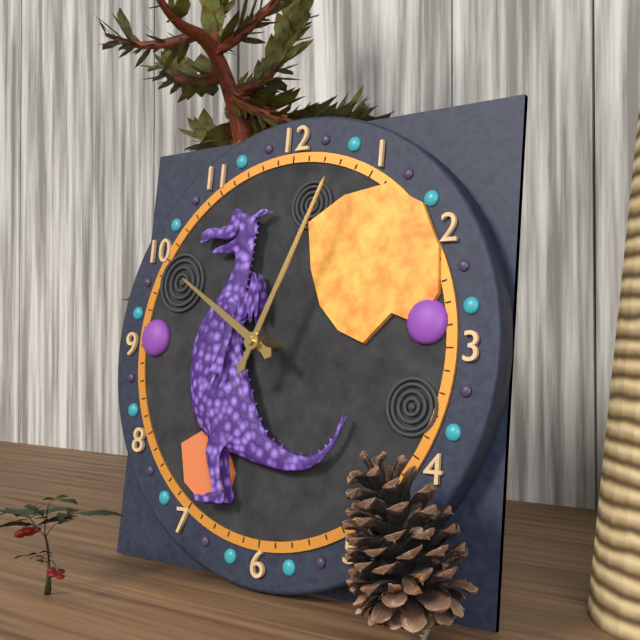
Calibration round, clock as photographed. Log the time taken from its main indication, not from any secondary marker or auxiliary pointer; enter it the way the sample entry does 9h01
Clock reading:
10h04
